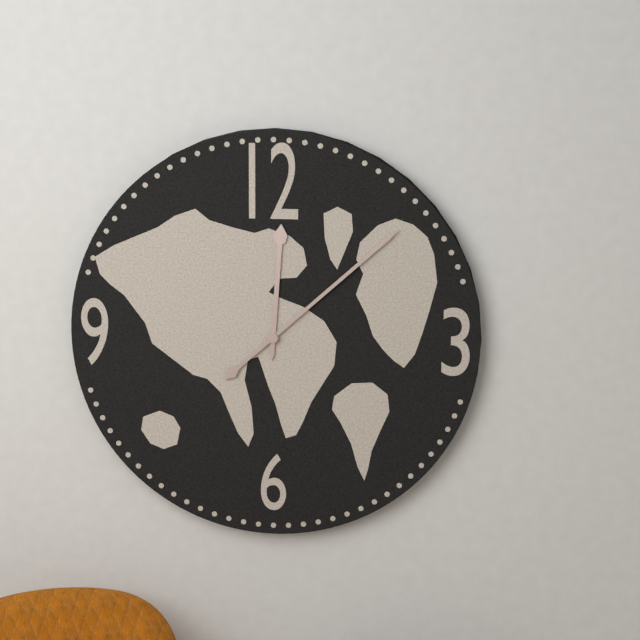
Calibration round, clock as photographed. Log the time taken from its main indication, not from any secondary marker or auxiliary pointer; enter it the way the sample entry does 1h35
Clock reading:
12h08
